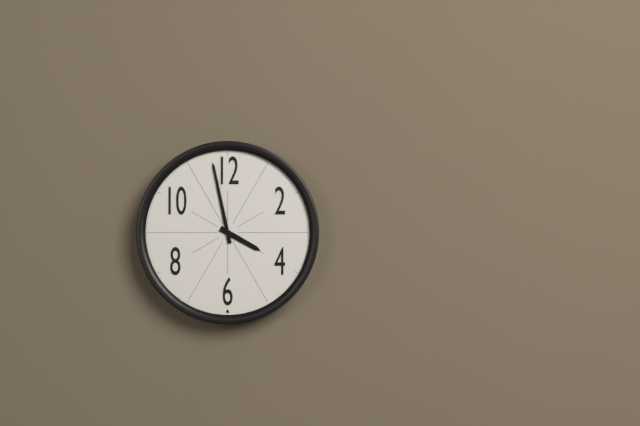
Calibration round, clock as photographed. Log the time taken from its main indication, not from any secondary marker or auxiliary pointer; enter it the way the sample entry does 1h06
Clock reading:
3h58
